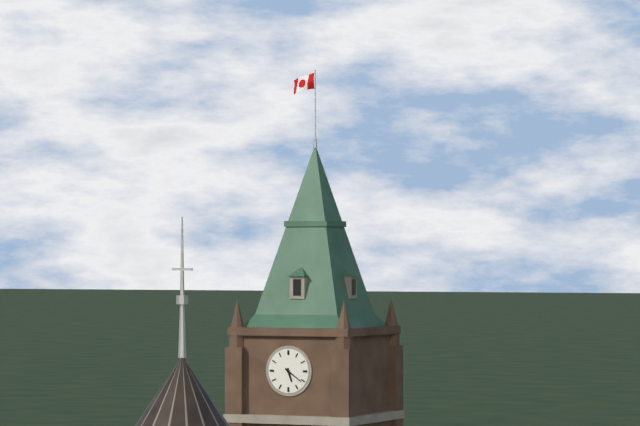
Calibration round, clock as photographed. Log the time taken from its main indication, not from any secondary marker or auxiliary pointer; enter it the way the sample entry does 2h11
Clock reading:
5h21
